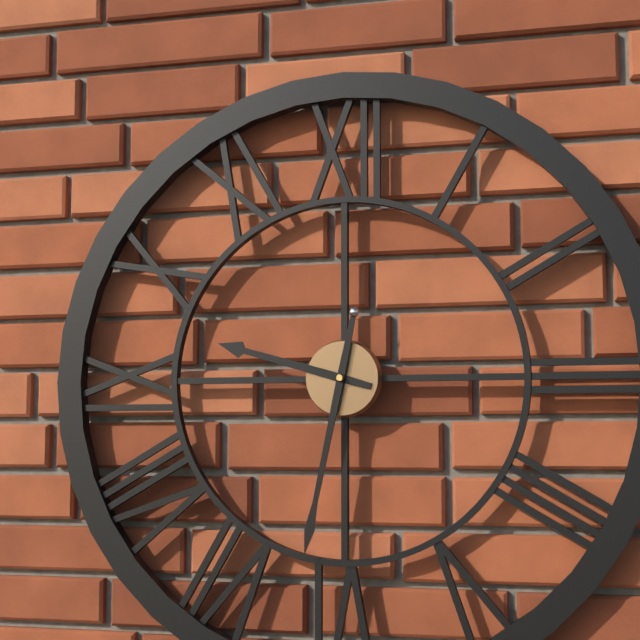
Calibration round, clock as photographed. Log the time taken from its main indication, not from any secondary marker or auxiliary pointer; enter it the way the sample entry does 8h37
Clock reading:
9h32
